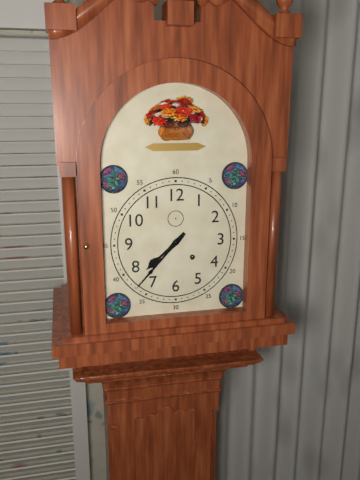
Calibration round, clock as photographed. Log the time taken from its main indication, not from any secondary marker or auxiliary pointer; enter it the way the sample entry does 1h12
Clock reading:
7h37
